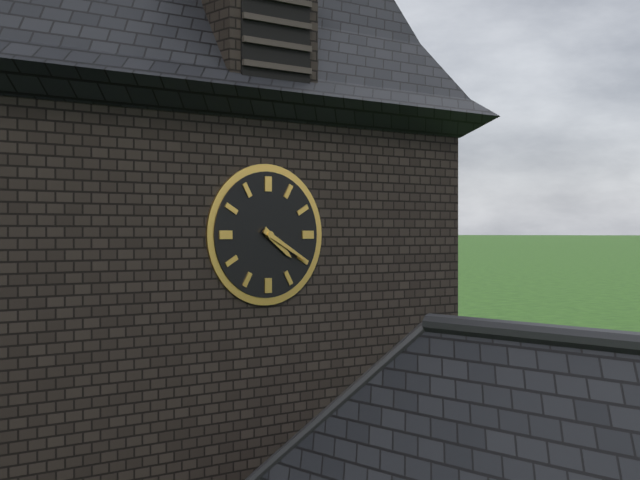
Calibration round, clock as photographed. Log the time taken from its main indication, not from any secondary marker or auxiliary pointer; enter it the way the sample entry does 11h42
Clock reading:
4h20
